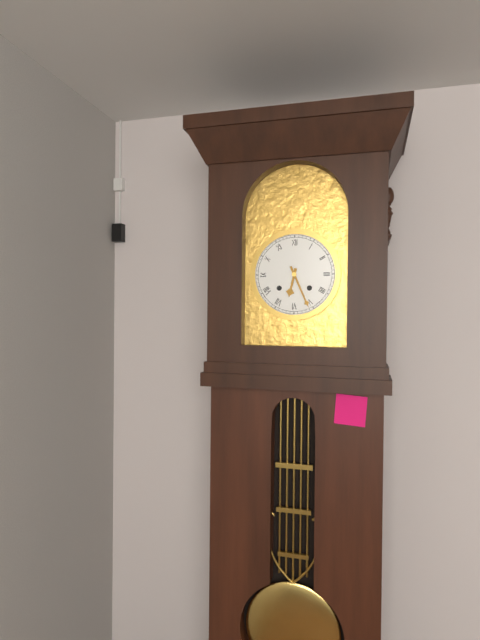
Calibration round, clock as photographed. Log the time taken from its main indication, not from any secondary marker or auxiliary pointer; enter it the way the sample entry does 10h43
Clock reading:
6h26
